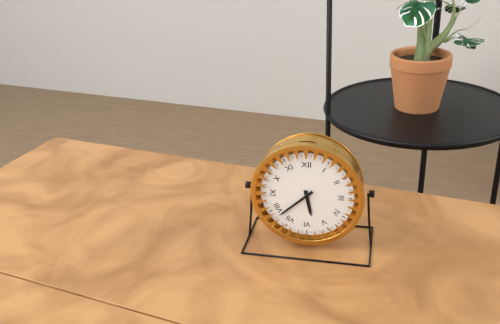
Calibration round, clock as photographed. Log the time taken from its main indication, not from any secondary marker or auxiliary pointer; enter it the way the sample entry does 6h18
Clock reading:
5h38
